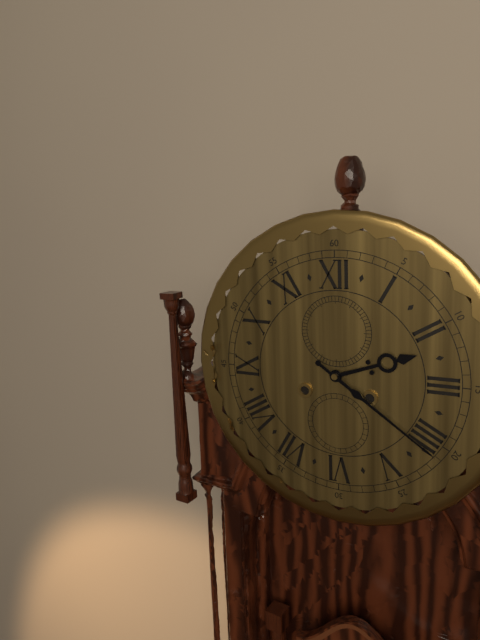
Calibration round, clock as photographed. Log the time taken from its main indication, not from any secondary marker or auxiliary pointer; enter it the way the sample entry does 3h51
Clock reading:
2h21
